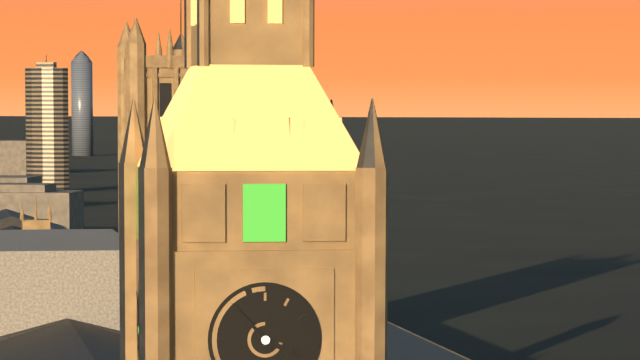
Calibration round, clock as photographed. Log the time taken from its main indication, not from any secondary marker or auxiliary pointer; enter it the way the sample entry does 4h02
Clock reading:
3h53
